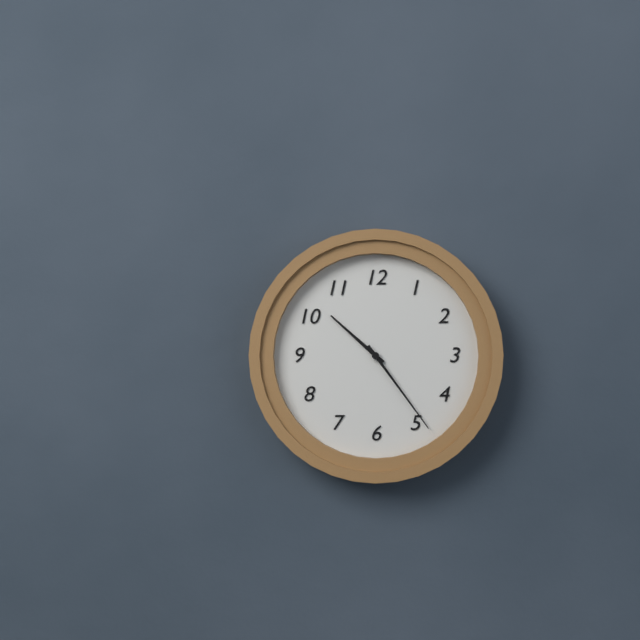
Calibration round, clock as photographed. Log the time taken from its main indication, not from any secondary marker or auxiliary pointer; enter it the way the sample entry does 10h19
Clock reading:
10h24
